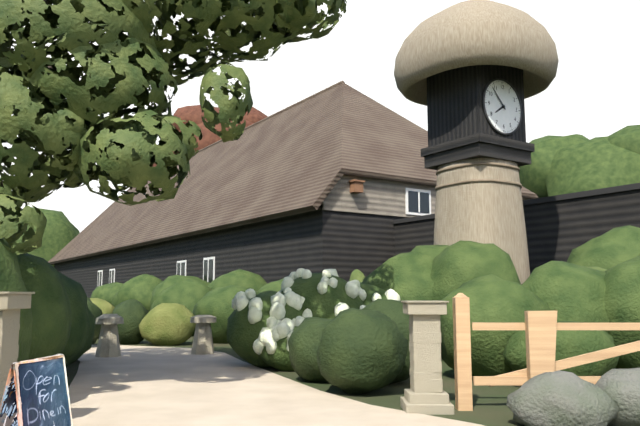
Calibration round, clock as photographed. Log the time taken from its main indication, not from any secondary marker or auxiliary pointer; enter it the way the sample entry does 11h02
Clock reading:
7h53
